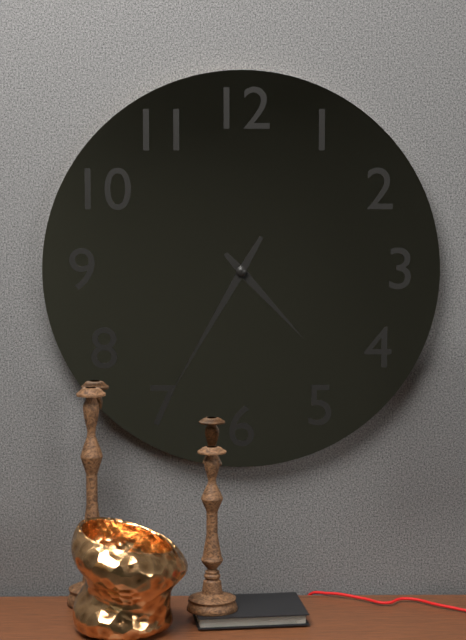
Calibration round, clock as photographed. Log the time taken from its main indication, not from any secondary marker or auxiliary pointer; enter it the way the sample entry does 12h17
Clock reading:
4h35
